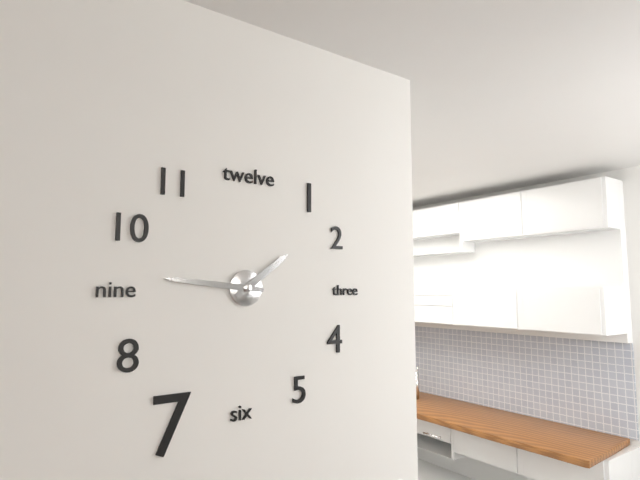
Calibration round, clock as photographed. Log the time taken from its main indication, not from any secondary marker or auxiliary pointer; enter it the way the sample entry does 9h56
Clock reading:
1h46
